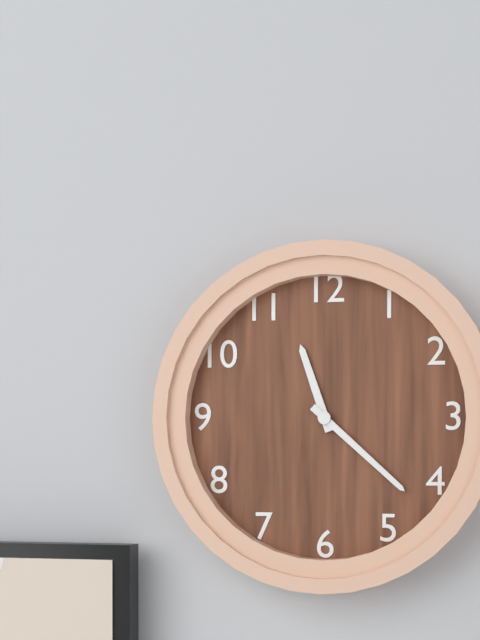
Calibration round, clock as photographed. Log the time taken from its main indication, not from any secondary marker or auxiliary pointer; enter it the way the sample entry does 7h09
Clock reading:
11h22
